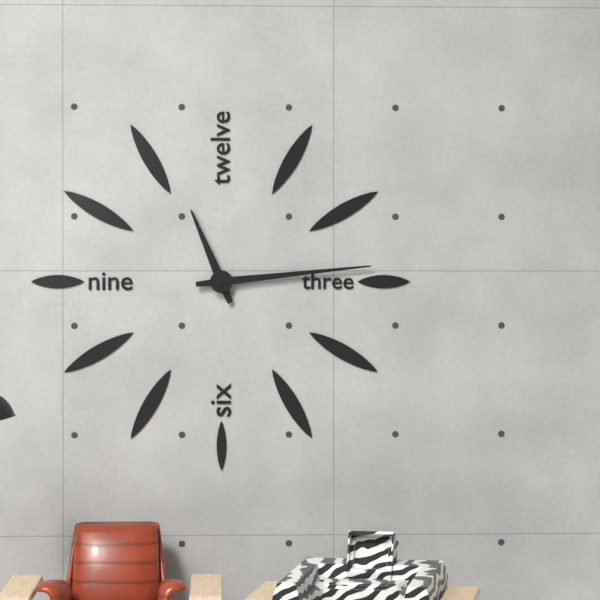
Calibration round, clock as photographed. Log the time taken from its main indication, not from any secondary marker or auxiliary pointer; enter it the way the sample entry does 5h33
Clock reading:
11h14
